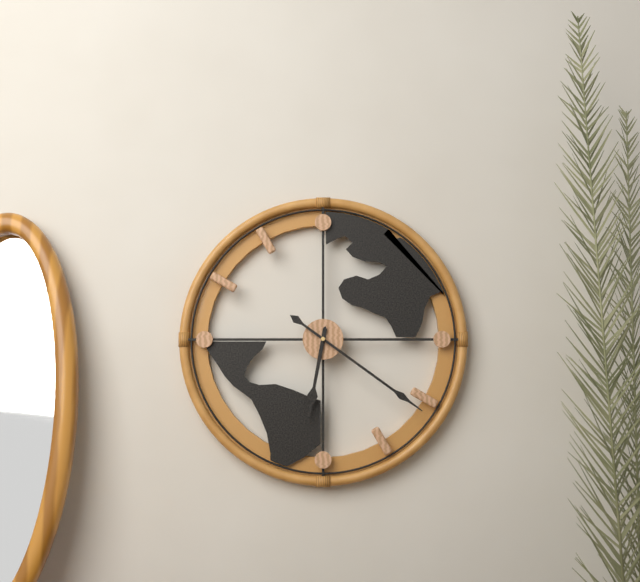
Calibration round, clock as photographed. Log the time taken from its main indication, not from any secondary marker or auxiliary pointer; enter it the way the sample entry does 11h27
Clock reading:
6h21
